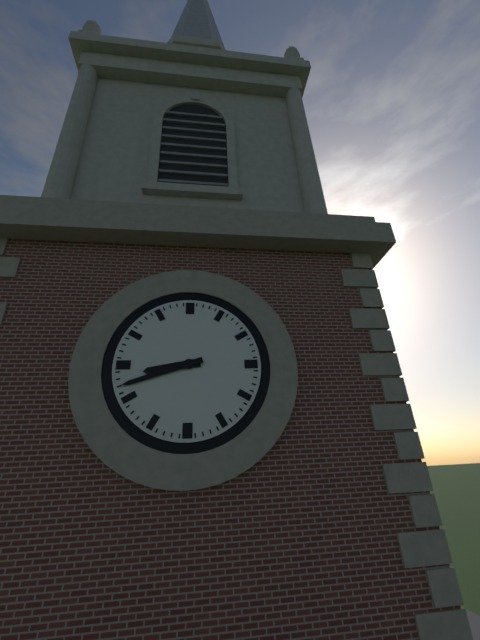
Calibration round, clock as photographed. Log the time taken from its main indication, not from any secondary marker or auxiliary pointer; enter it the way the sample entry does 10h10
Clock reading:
8h42
